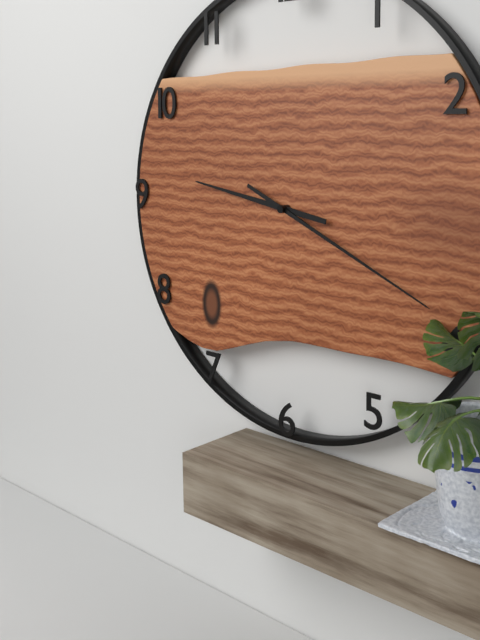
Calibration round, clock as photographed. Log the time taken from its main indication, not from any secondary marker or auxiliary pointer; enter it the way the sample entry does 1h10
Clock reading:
9h19
